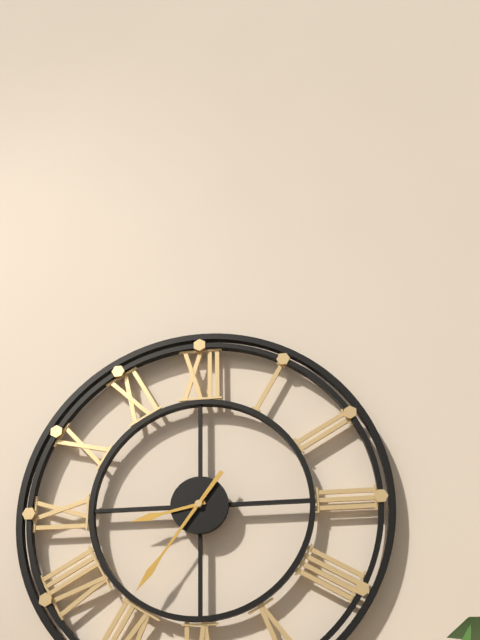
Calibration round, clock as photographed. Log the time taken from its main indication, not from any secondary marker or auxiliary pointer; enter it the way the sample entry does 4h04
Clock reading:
8h36
